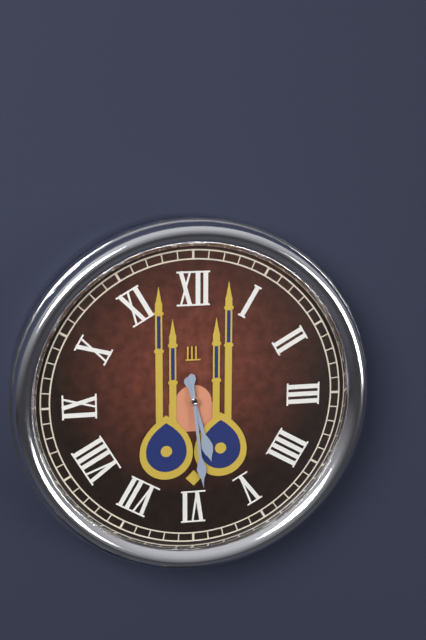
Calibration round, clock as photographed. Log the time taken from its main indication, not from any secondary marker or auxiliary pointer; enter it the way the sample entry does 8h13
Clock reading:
5h29
